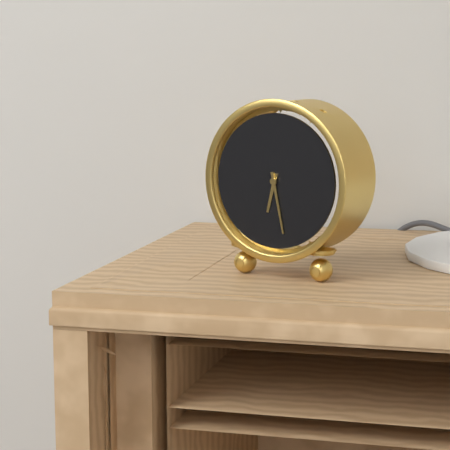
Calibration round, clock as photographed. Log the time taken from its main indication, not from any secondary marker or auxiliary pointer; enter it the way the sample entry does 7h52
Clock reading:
6h28
